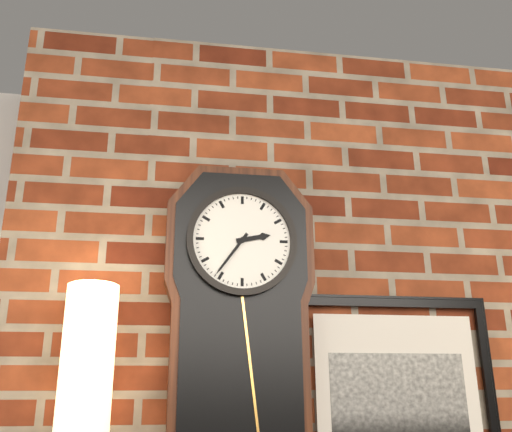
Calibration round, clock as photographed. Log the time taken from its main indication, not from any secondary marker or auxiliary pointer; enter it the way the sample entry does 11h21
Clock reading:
2h36
